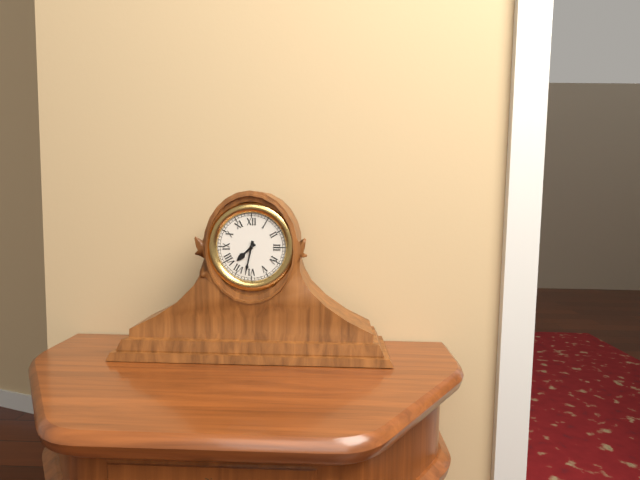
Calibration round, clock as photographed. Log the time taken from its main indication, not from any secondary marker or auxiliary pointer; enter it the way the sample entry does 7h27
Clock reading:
7h32
